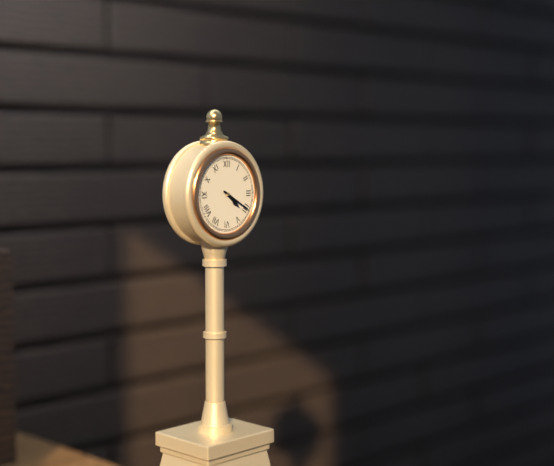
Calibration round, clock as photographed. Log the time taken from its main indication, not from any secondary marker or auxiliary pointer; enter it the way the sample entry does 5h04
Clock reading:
4h20
